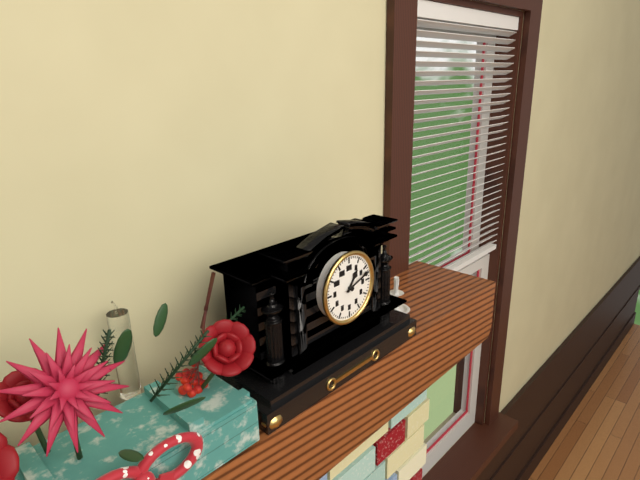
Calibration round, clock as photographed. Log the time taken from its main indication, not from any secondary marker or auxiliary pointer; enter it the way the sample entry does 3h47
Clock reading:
1h12
